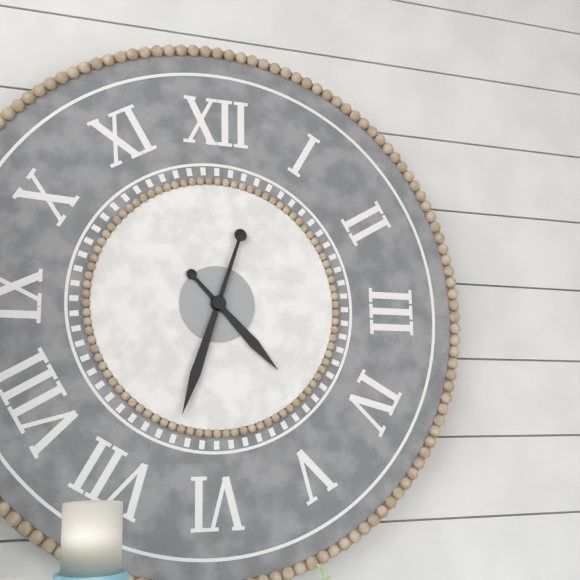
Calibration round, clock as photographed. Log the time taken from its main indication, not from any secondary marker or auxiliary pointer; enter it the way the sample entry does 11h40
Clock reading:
4h33
